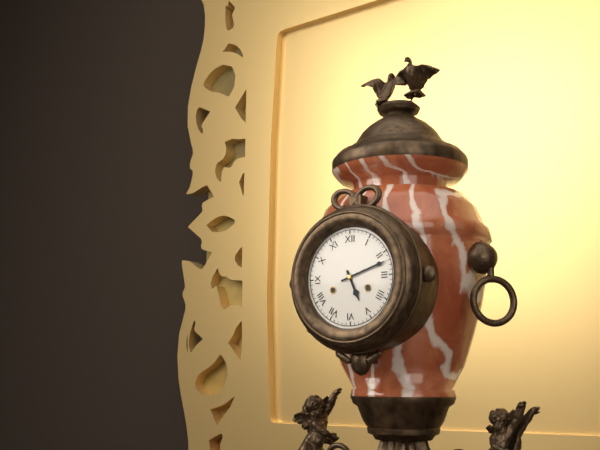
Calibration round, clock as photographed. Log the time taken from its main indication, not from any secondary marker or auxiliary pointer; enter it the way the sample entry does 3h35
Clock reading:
5h12
